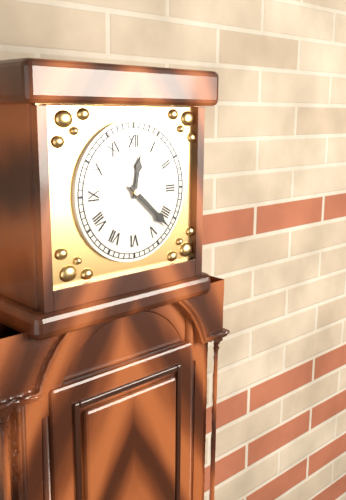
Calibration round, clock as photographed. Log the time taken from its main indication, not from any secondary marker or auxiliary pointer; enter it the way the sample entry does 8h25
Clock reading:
12h22
